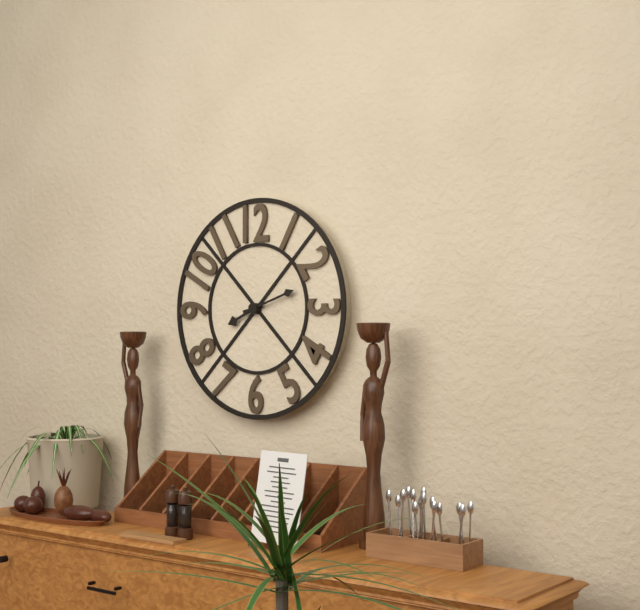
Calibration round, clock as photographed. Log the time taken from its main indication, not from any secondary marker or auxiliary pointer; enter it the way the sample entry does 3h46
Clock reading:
8h12
